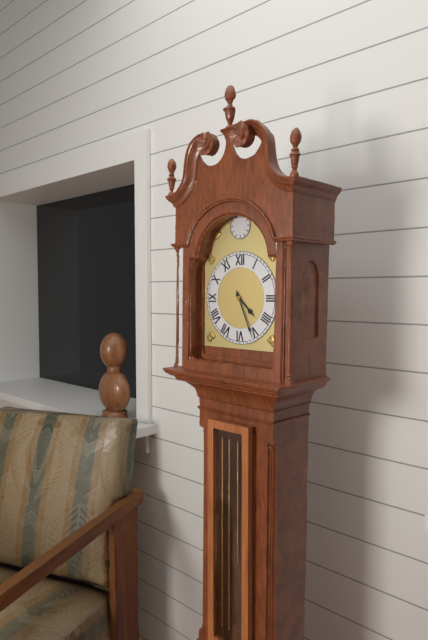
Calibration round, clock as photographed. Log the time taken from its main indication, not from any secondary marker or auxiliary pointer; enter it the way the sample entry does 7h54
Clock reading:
4h26
